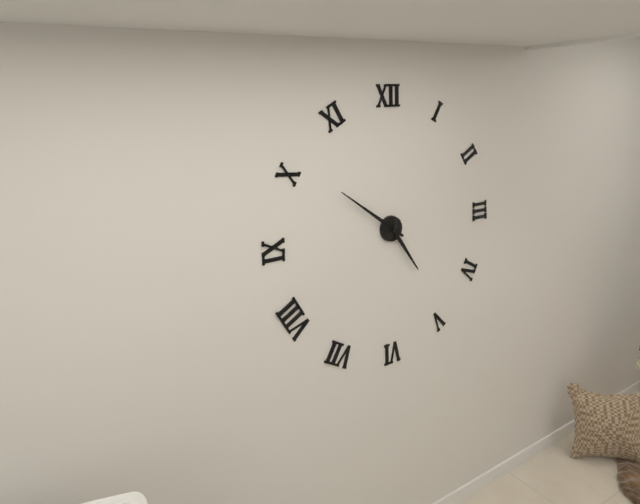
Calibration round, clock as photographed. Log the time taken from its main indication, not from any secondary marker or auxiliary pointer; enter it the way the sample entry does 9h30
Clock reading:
4h51
